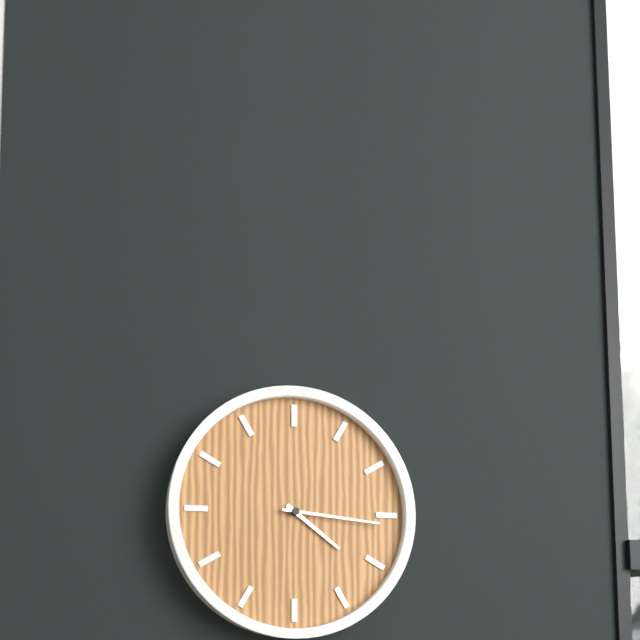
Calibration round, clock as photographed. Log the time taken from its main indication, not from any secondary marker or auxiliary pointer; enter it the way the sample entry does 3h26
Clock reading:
4h16
